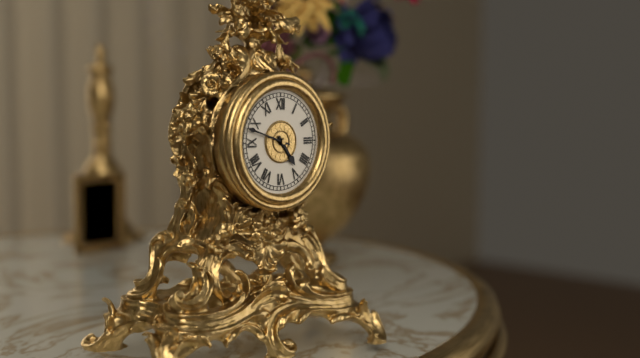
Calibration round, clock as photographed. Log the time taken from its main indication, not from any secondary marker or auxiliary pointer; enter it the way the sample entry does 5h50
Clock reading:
4h48
